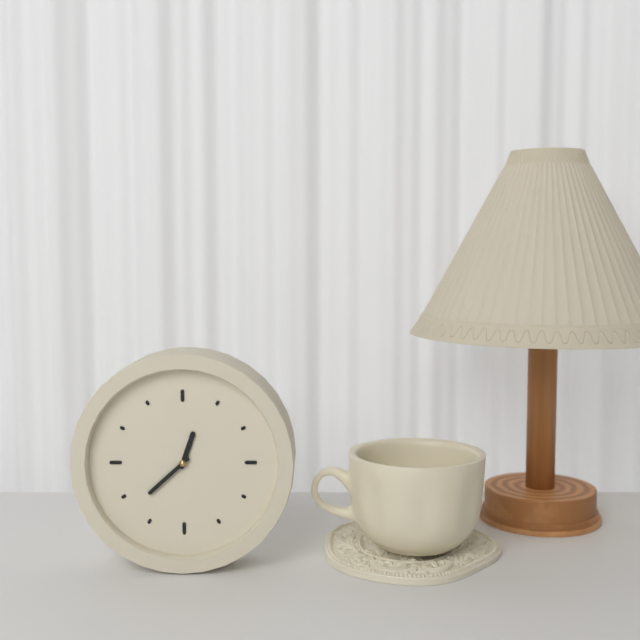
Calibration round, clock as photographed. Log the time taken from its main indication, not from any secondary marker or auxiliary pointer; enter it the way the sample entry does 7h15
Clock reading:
12h38
